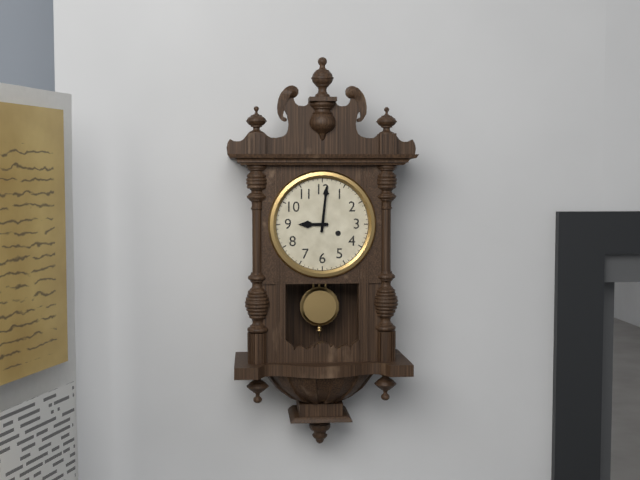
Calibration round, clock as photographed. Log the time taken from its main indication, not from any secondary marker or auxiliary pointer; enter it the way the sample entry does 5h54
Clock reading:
9h01
